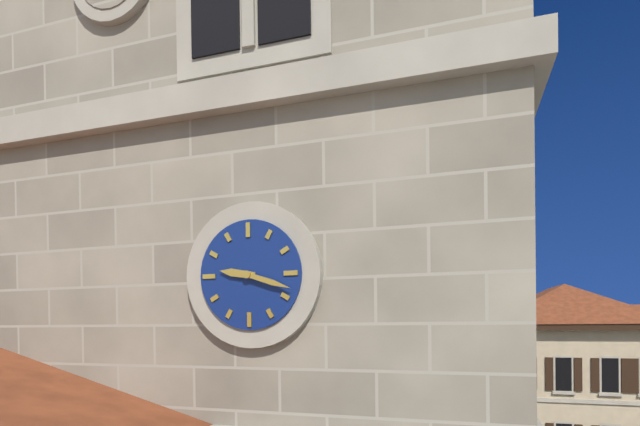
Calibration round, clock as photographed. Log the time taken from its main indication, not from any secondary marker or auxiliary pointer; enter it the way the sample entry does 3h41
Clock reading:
9h18
